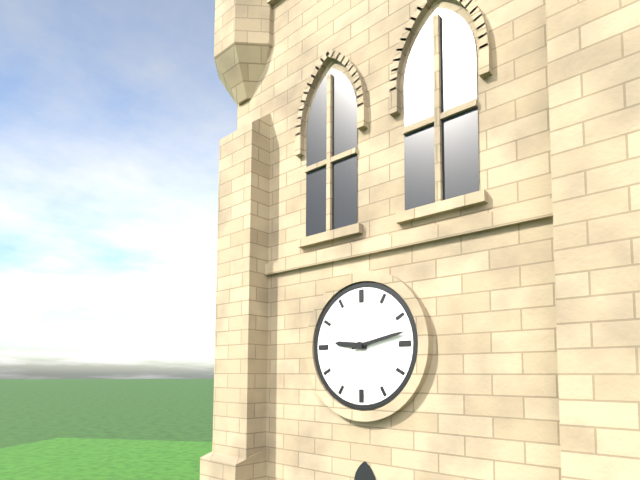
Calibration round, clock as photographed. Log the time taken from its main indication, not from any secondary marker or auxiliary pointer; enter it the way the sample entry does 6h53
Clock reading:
9h13
